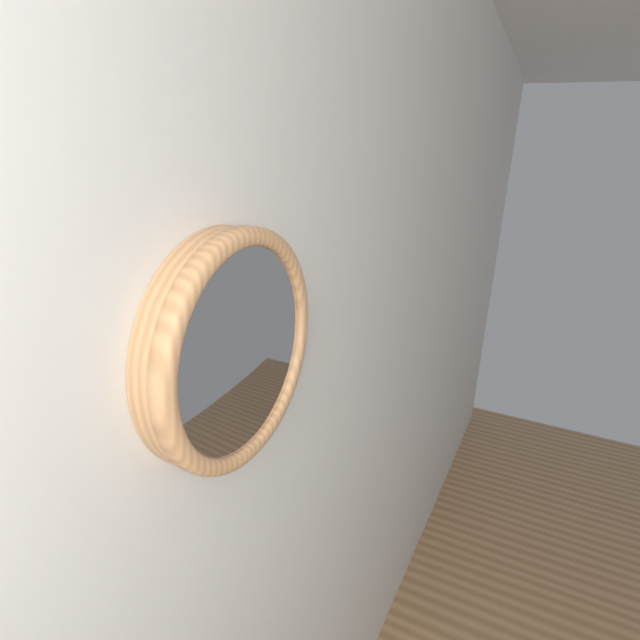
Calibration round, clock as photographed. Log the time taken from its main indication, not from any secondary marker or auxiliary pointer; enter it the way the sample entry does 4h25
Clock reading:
6h08
